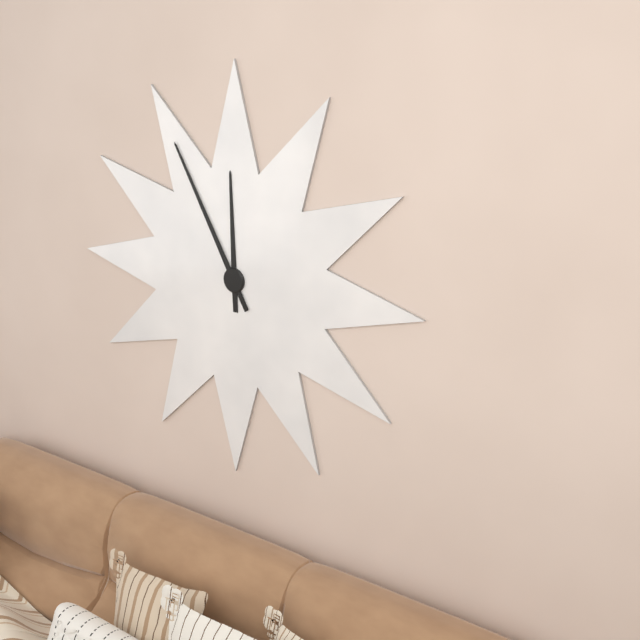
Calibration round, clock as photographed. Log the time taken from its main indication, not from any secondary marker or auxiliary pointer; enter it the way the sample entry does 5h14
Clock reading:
11h55
